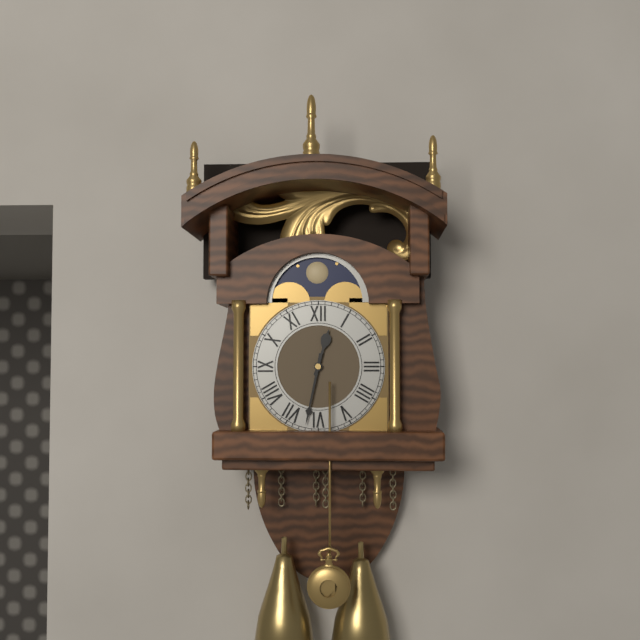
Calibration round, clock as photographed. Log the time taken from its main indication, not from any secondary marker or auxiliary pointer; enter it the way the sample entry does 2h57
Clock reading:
12h32
